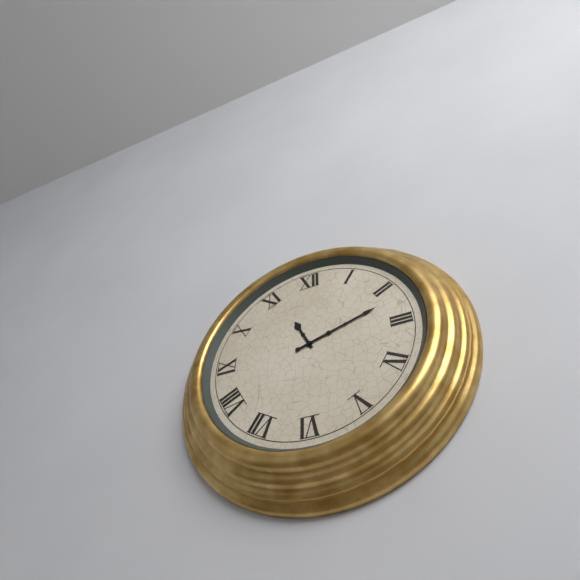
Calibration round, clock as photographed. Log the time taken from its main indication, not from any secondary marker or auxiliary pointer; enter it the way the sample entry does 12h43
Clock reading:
11h12
